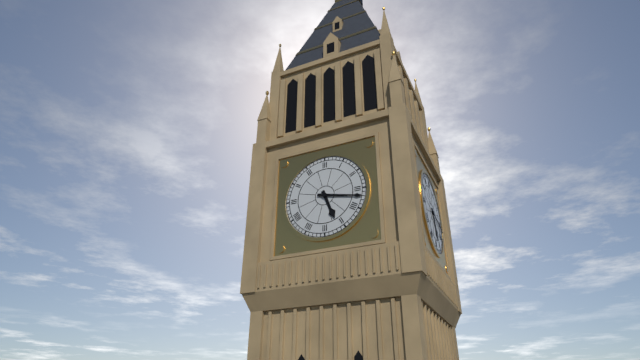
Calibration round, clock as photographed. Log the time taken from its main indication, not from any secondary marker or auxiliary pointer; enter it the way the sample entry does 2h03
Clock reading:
5h17
